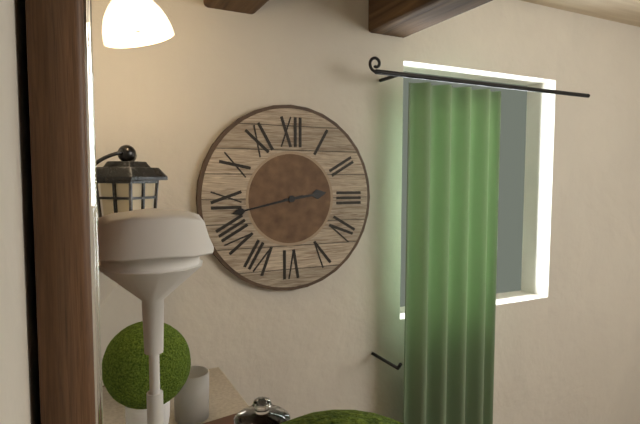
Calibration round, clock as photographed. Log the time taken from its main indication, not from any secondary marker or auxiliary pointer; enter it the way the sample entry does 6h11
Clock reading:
2h43
